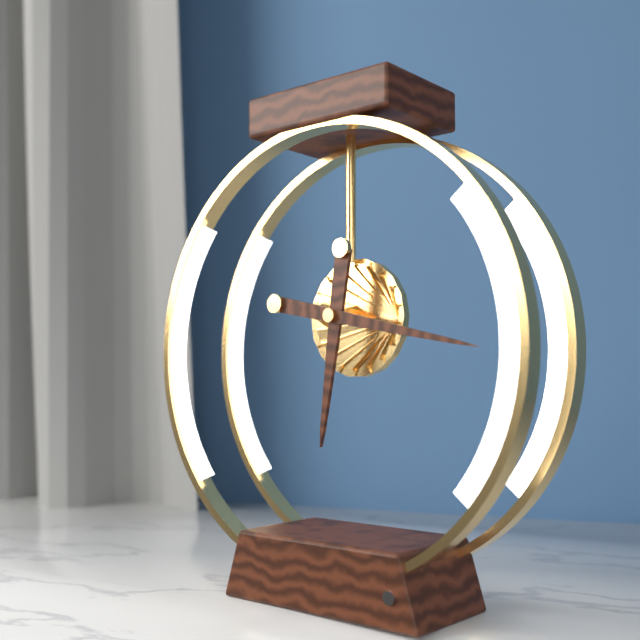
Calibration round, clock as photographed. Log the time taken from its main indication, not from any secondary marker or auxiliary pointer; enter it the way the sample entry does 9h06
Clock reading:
6h17
